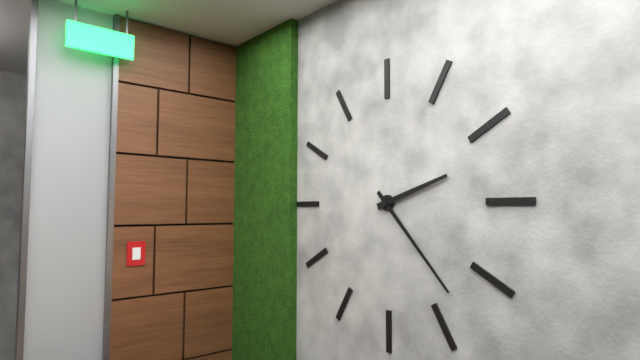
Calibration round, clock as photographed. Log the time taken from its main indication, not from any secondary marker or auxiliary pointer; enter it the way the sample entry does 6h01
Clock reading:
2h23
